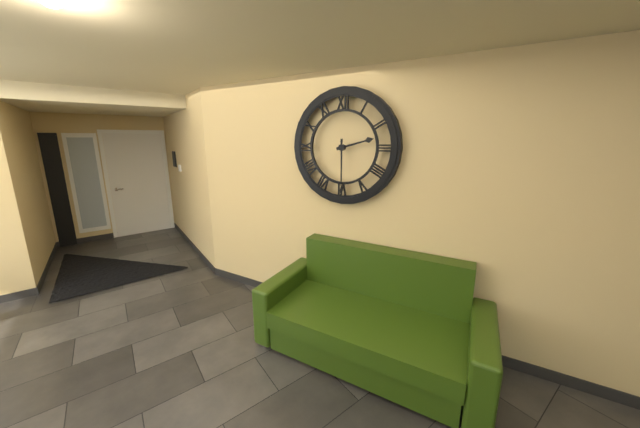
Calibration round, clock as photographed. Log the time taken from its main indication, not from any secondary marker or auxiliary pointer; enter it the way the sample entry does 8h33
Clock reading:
2h30
